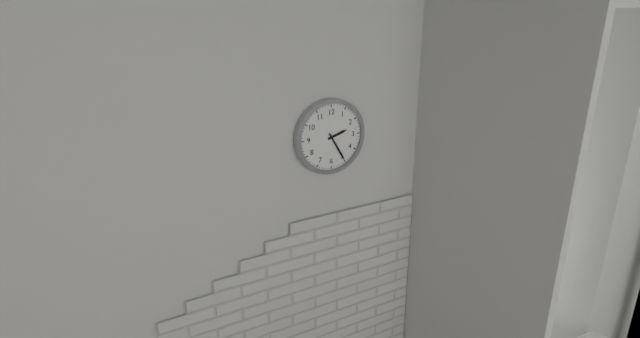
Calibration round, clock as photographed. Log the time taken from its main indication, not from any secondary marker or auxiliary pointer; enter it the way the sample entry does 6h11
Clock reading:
2h25
